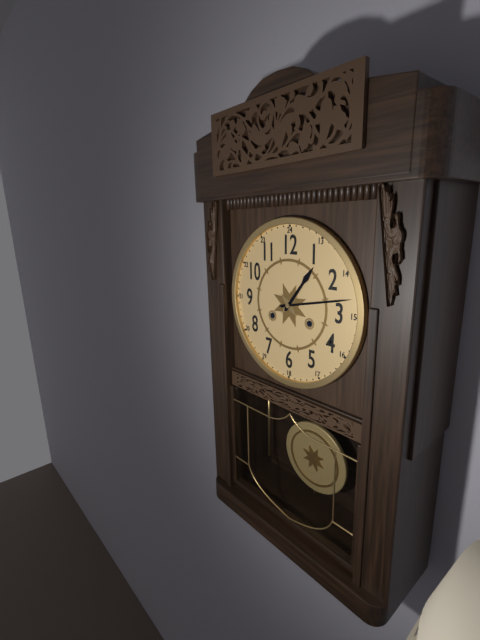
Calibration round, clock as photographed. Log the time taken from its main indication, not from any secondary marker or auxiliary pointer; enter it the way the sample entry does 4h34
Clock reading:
1h13
